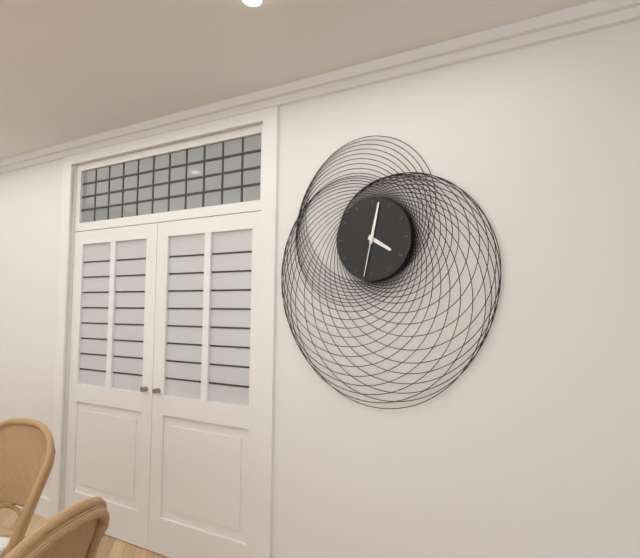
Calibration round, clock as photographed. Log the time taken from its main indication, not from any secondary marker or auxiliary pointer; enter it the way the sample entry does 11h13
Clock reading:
4h02
